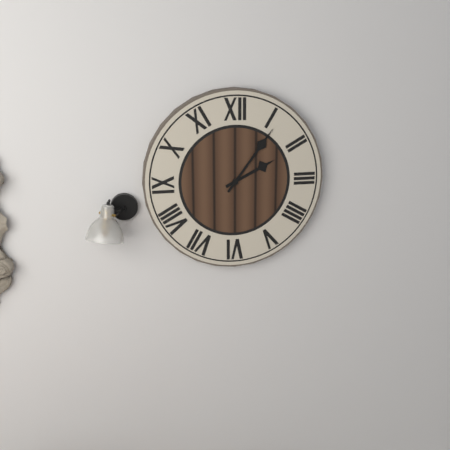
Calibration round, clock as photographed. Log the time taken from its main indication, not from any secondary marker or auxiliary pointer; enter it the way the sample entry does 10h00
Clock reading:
2h06
